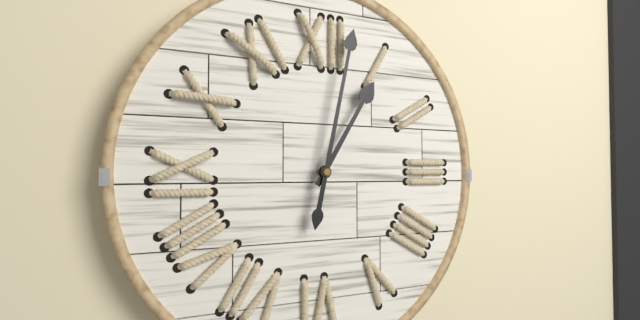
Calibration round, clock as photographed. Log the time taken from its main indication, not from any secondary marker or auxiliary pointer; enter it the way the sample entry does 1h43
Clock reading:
1h02
